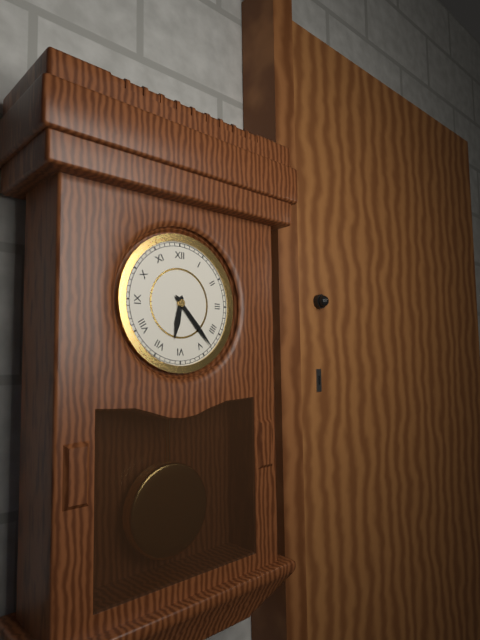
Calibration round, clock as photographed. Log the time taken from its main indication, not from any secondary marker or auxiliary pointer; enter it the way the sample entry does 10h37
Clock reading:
6h23
